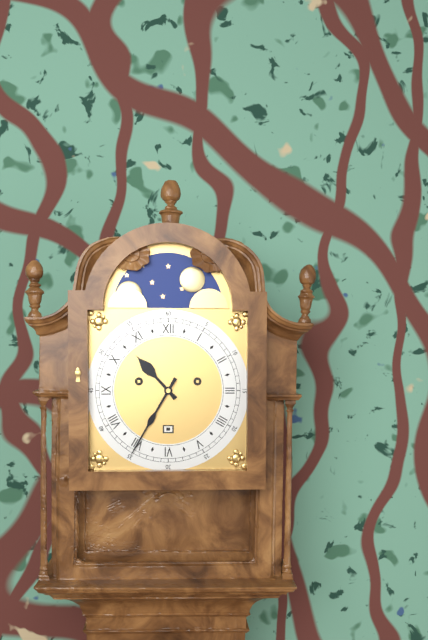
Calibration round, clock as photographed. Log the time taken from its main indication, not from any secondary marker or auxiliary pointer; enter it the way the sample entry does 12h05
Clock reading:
10h35
